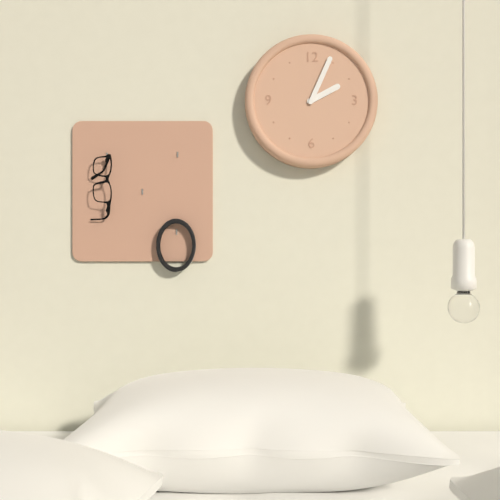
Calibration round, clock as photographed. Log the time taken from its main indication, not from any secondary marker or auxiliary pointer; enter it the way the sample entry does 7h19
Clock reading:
2h04
